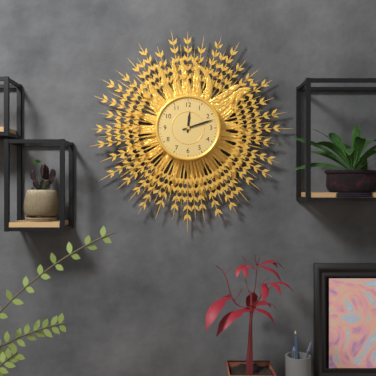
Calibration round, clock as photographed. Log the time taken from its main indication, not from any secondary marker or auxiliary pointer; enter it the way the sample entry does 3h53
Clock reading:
12h12
